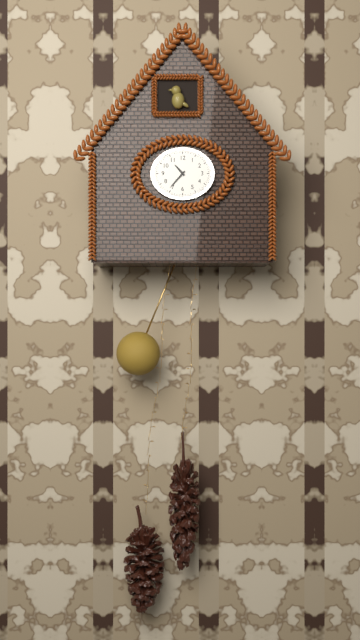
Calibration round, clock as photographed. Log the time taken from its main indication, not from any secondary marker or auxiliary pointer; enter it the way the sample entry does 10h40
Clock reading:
10h37
